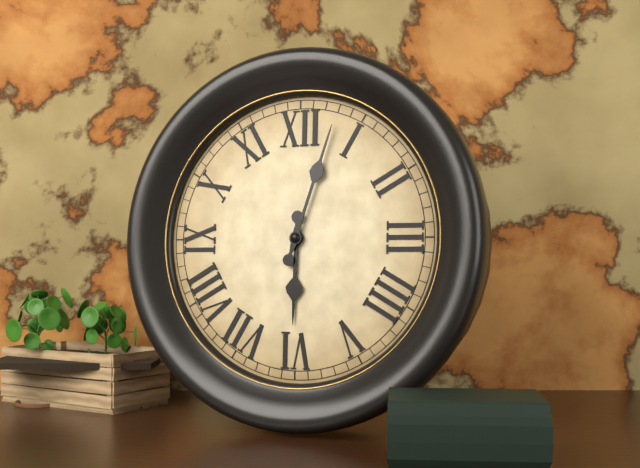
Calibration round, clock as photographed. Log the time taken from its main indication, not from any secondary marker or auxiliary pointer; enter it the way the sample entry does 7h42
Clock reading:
6h03
